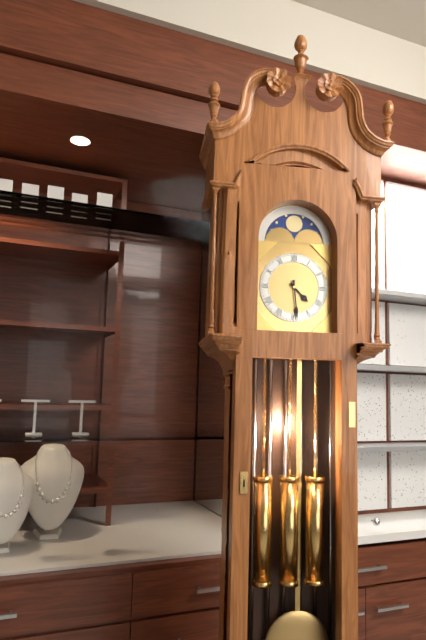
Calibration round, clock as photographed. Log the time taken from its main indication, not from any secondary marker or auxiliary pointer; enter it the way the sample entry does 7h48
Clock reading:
4h29
